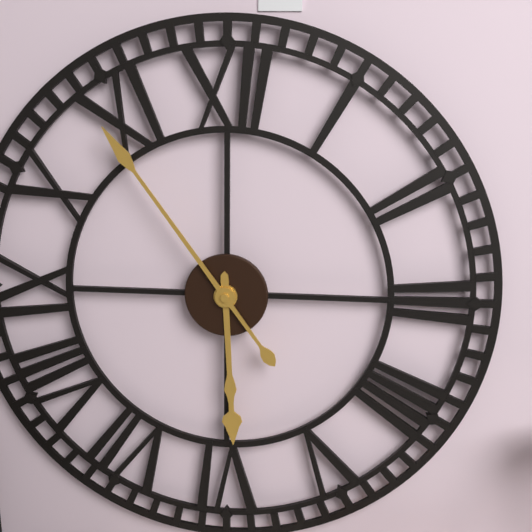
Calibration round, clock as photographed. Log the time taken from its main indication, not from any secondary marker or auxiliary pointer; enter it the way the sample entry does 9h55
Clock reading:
5h54
